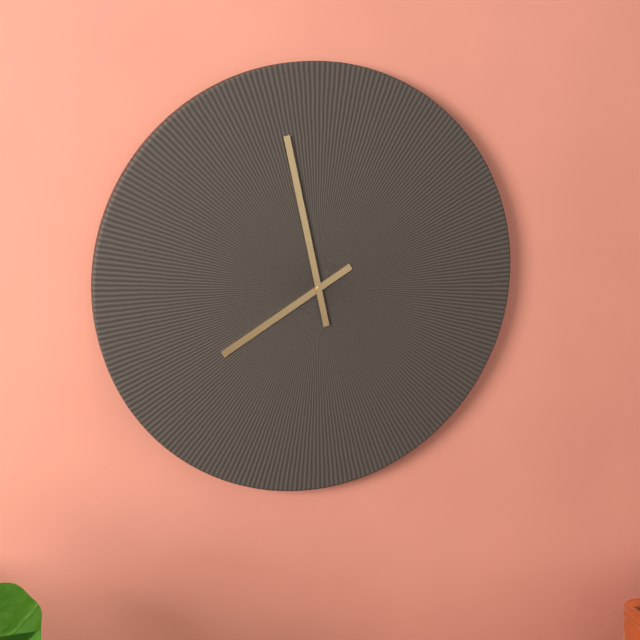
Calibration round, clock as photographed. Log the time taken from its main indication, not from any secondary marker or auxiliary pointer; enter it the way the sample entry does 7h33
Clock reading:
7h58
